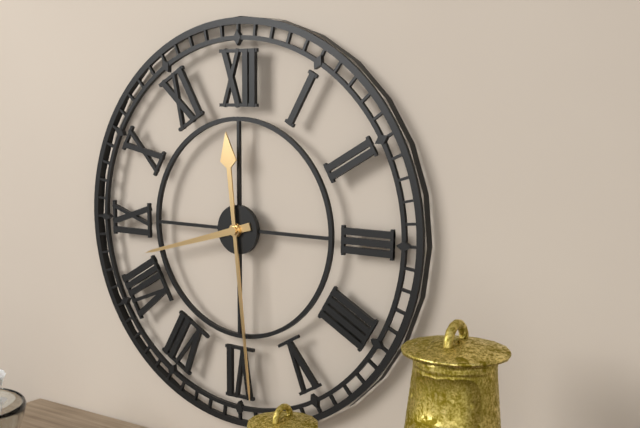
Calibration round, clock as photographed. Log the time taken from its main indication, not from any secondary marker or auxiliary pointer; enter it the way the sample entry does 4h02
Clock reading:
8h29
